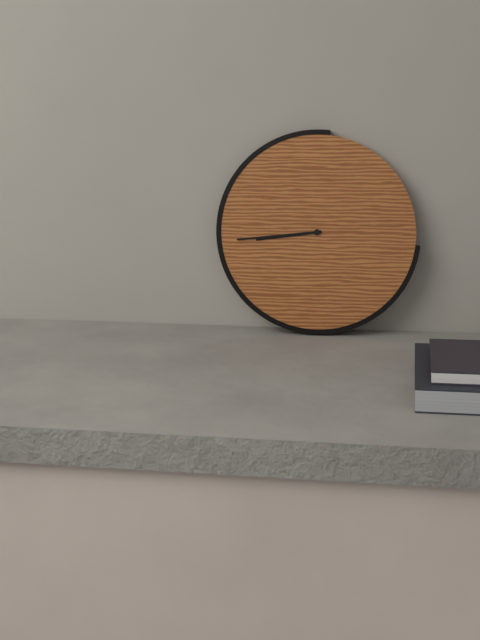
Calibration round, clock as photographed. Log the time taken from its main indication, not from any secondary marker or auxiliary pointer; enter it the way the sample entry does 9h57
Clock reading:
8h44
